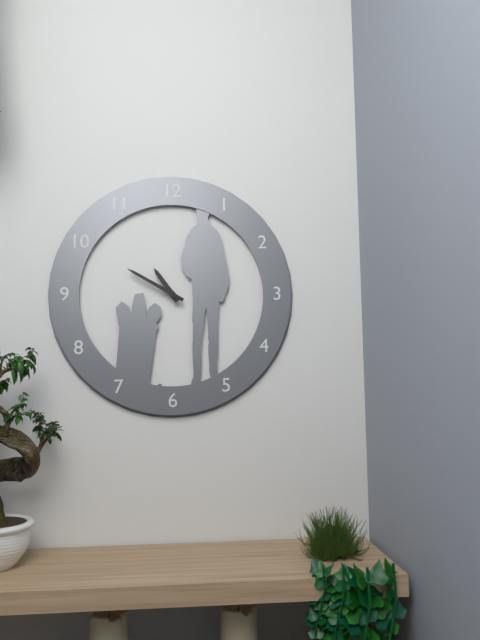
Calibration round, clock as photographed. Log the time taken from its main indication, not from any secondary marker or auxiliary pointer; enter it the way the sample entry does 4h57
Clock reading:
10h50
